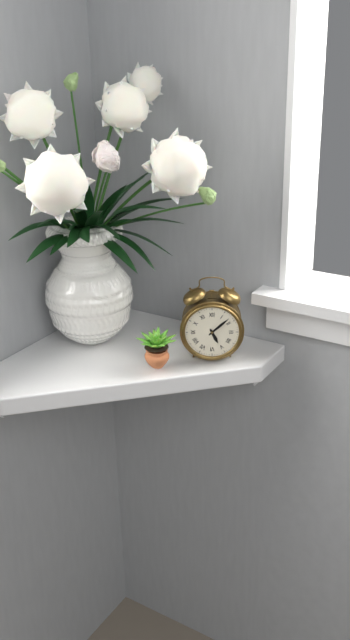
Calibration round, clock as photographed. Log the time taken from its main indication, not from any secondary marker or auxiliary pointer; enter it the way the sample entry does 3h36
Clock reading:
5h08
